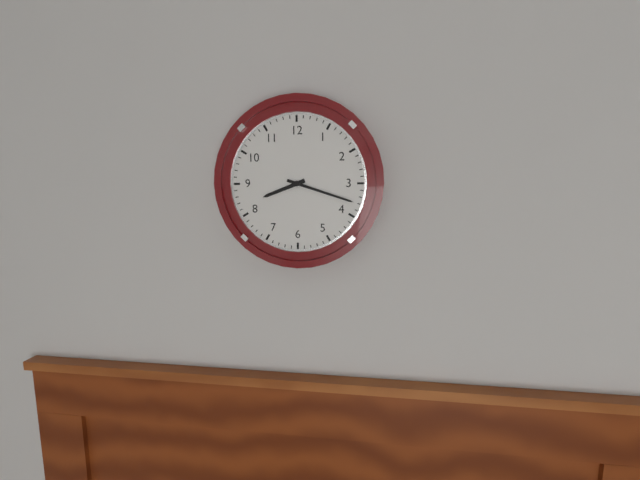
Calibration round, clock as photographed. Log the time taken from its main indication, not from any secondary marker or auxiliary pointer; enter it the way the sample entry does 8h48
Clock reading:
8h18
